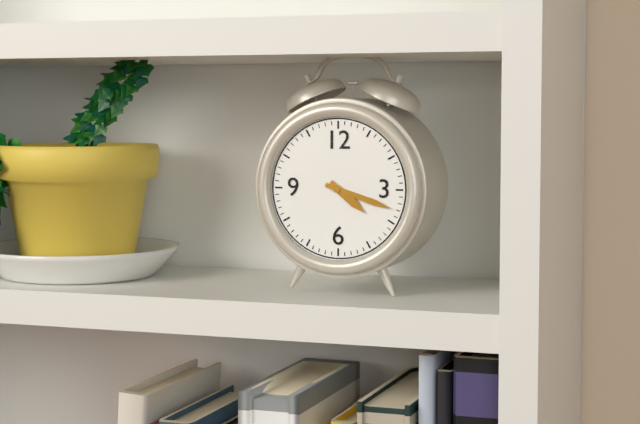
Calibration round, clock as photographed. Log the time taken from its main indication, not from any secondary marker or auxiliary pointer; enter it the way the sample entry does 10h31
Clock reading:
4h18
